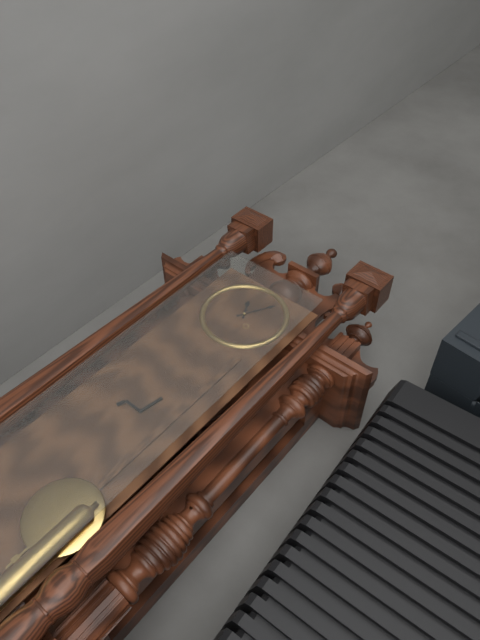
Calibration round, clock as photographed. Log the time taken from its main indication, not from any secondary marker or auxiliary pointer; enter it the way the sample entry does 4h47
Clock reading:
11h05
